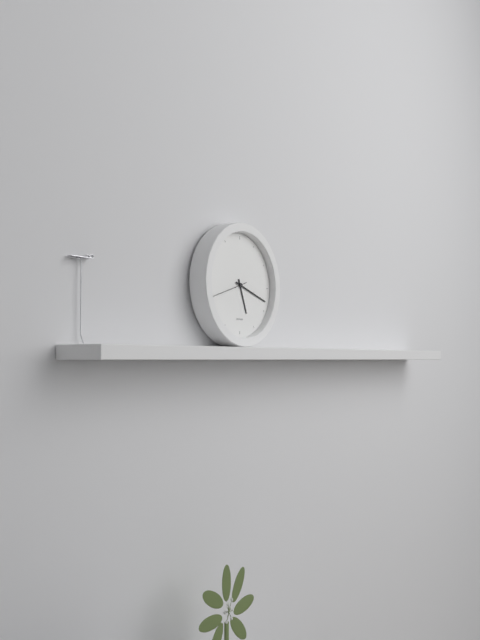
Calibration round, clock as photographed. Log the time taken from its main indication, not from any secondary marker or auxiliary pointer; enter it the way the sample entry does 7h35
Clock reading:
5h18
